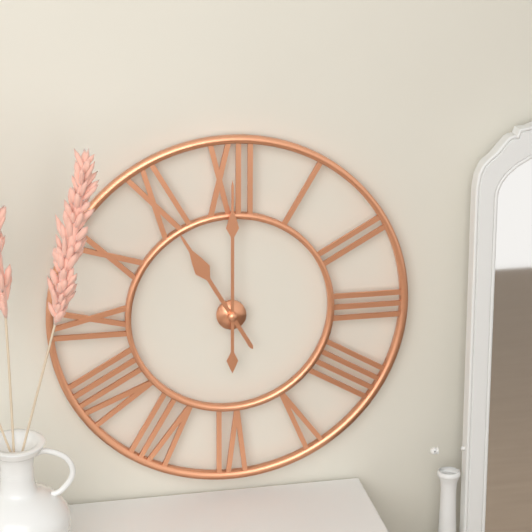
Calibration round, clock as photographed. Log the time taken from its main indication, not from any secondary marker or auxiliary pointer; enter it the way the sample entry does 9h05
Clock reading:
11h00
